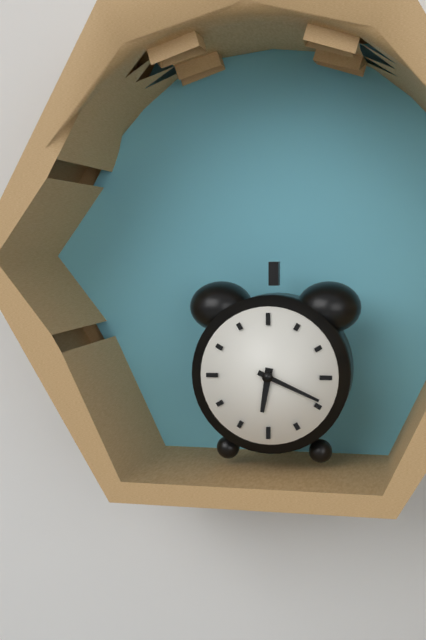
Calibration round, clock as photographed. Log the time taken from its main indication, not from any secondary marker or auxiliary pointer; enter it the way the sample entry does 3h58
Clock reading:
6h19
